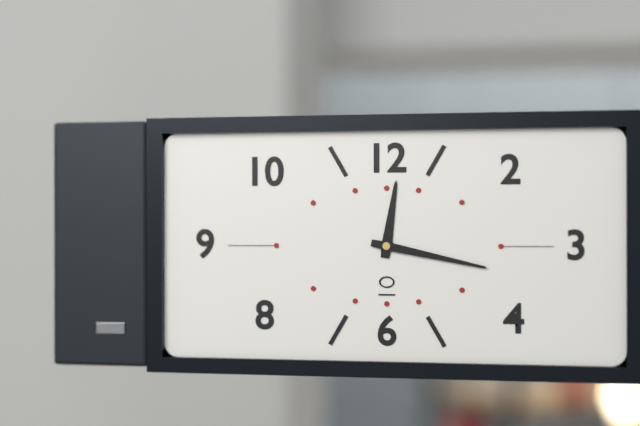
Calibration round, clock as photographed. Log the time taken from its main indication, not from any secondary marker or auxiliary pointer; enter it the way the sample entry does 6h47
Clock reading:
12h17
